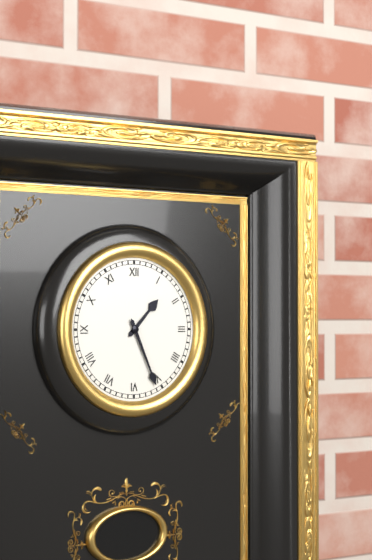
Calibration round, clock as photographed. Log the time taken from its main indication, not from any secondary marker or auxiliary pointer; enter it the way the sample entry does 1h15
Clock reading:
1h26
